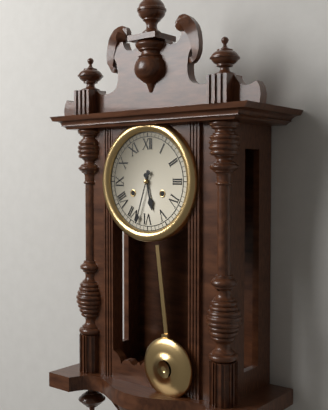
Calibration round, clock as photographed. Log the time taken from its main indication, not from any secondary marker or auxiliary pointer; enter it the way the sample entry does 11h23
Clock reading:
5h33
